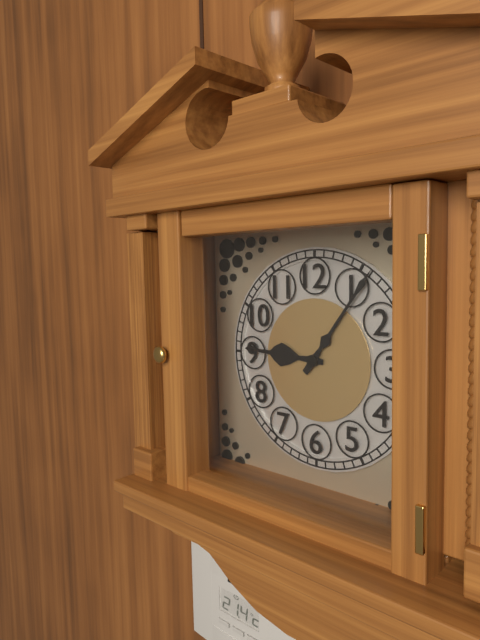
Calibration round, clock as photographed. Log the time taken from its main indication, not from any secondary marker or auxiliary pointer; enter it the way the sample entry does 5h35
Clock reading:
9h06
